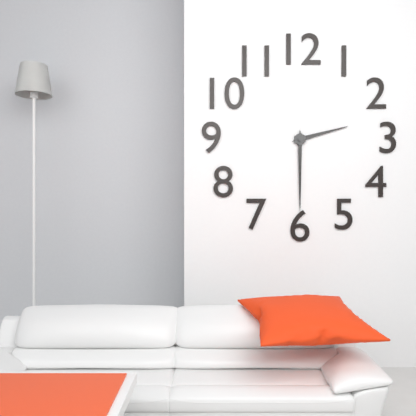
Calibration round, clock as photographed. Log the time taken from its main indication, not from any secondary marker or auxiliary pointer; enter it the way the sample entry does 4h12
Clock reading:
2h30
